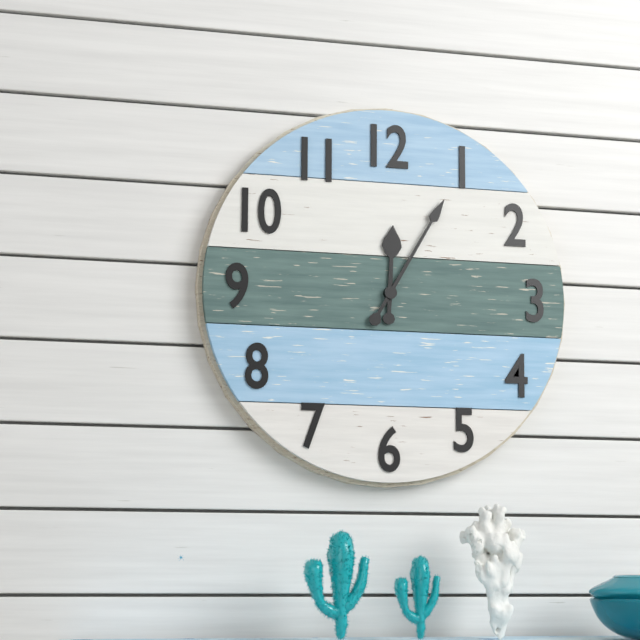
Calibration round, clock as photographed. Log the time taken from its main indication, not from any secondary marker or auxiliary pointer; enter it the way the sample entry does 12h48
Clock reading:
12h05
